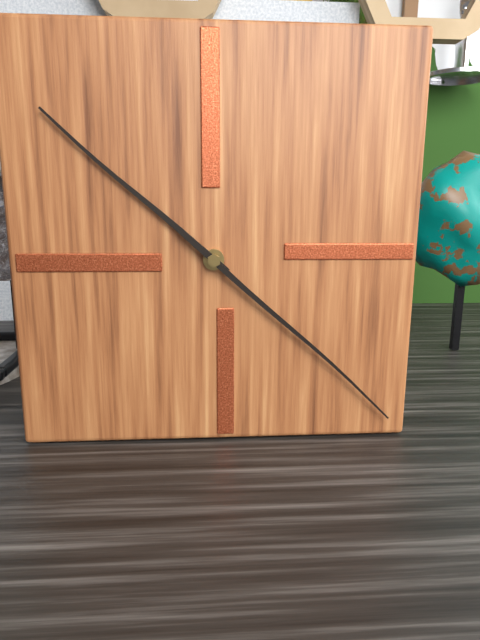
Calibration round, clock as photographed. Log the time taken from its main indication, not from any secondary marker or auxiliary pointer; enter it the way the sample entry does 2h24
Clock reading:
10h22
